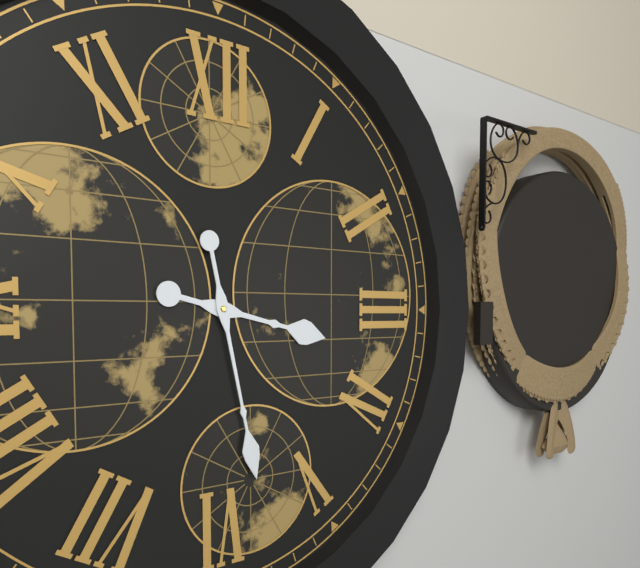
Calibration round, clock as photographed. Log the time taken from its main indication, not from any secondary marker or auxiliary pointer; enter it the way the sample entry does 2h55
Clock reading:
3h28
